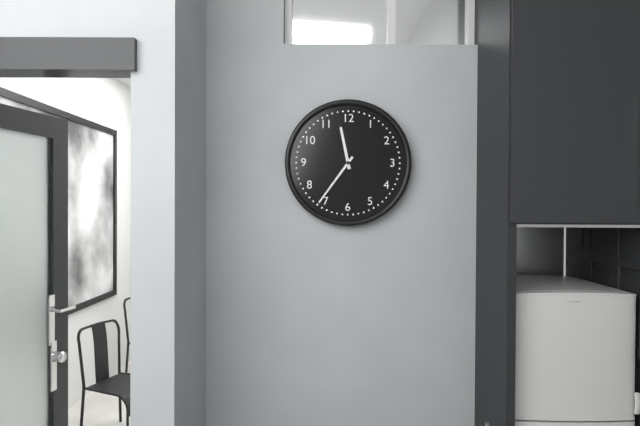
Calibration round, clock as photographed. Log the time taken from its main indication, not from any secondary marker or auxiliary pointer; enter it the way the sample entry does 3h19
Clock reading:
11h36
